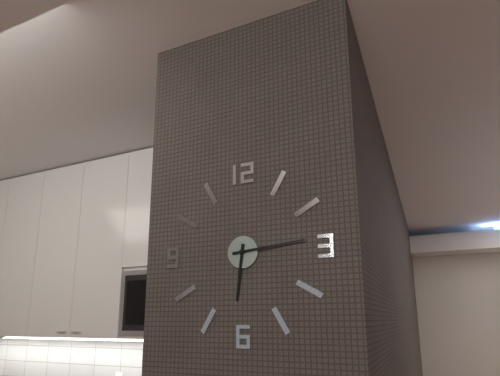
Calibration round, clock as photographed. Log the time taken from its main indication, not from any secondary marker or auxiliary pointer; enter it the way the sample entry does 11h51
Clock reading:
6h14
